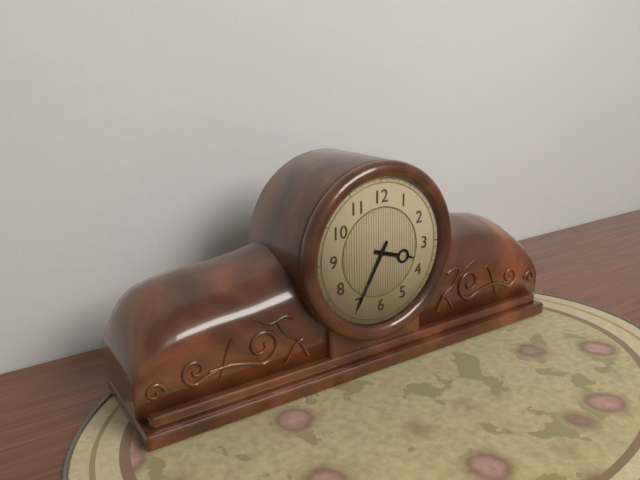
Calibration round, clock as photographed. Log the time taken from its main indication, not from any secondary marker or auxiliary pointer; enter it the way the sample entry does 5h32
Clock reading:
3h35
